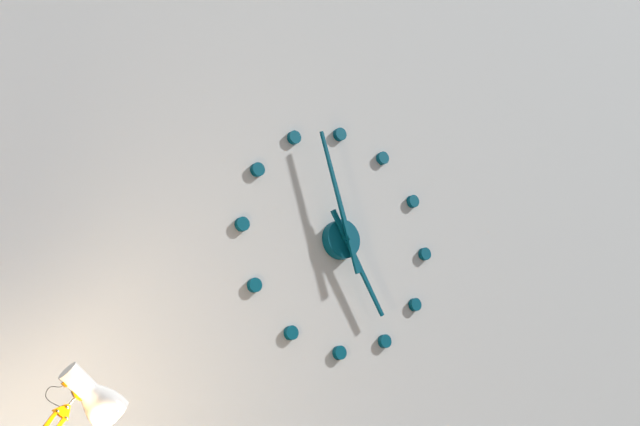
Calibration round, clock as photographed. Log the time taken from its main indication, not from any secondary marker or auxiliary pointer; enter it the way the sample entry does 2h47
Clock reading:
4h57
